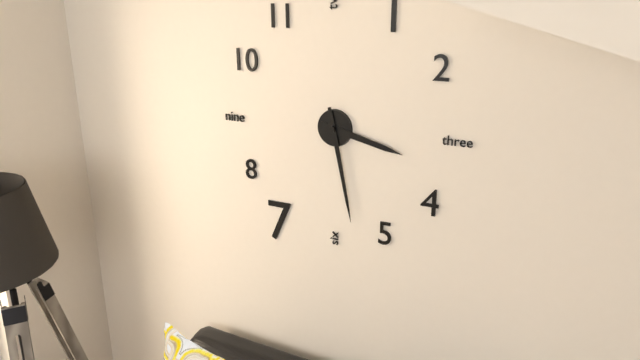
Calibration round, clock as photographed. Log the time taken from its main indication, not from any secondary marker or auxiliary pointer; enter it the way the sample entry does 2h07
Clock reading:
3h28
